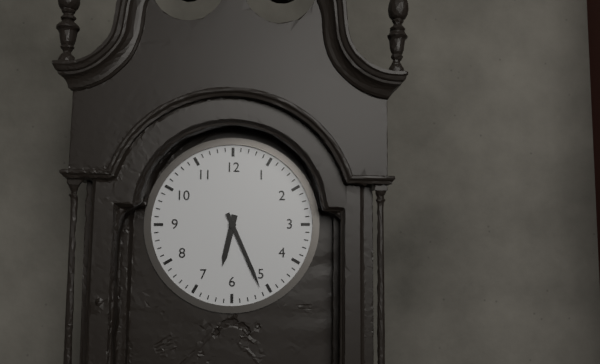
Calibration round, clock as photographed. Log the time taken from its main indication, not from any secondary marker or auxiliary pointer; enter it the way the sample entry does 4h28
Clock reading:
6h26
